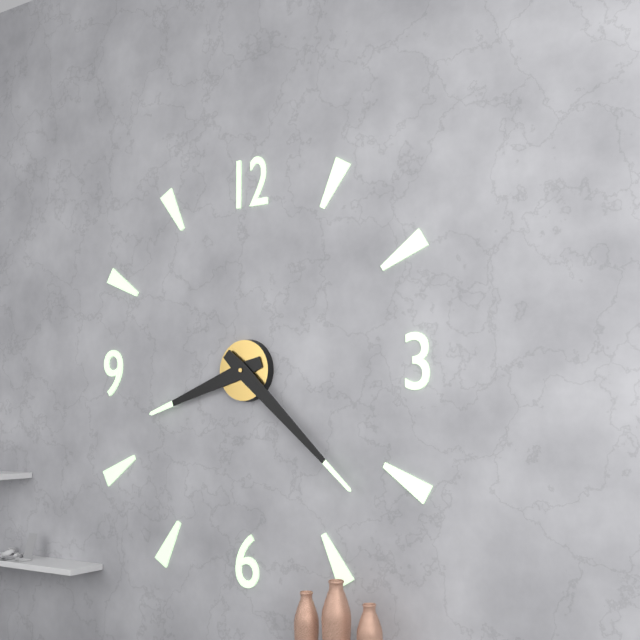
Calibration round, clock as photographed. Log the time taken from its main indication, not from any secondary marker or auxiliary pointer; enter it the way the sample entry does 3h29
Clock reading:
8h22
